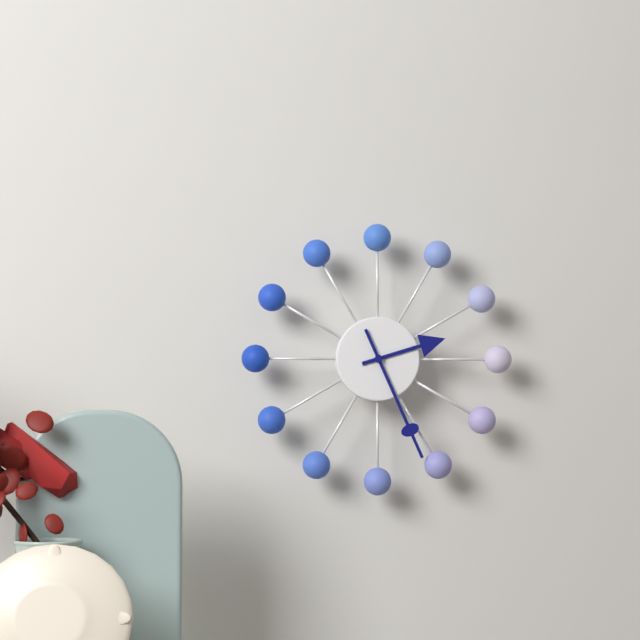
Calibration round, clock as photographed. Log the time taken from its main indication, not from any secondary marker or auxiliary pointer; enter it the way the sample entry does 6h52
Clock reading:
2h26
